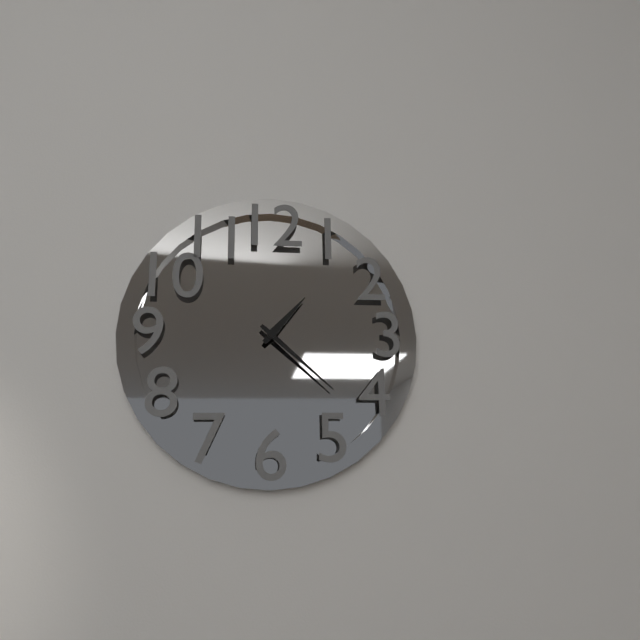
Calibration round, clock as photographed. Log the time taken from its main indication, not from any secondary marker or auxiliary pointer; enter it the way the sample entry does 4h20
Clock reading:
1h22
